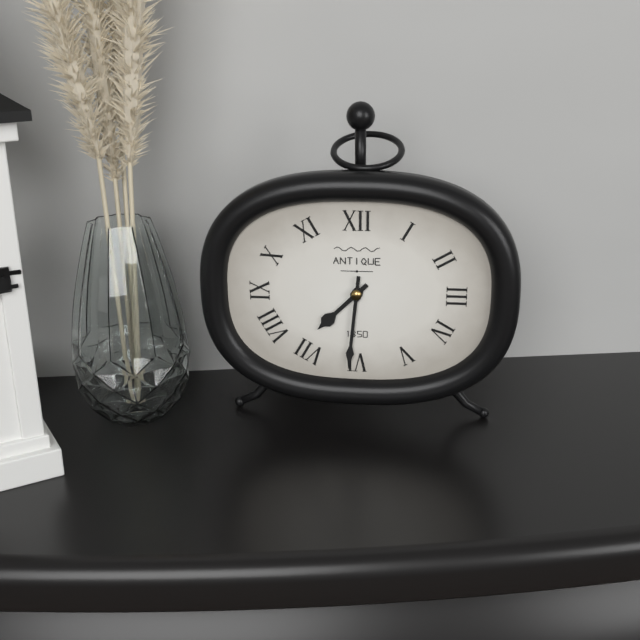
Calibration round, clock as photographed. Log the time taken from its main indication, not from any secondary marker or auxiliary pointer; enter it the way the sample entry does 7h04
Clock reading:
7h31
